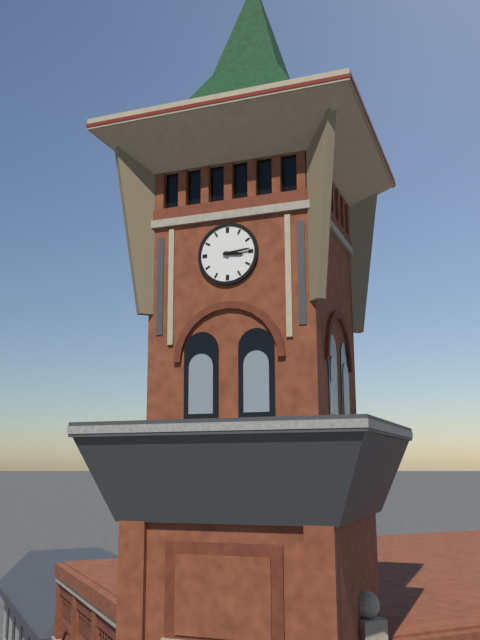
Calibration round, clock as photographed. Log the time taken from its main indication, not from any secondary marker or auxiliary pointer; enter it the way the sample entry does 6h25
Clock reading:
3h14
